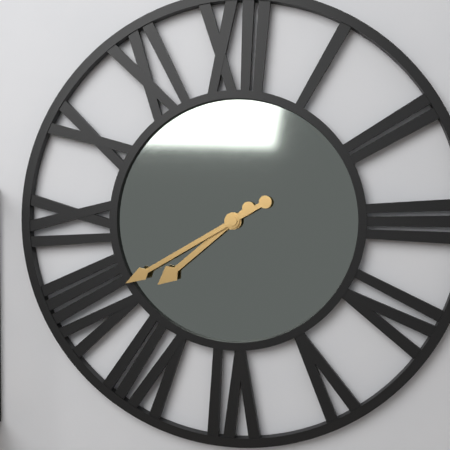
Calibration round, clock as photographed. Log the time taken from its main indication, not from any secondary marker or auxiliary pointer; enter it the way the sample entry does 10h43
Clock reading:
7h40
